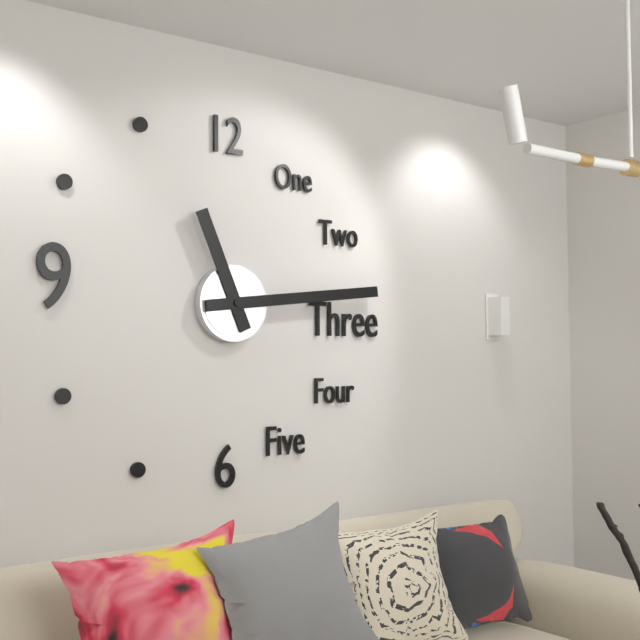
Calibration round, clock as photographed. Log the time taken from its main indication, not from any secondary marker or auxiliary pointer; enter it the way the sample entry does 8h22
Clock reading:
11h14
